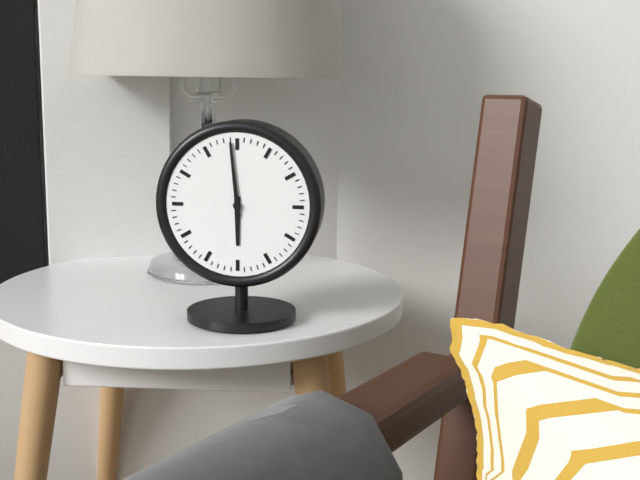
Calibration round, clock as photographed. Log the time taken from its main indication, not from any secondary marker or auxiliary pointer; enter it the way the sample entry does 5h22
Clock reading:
5h59
